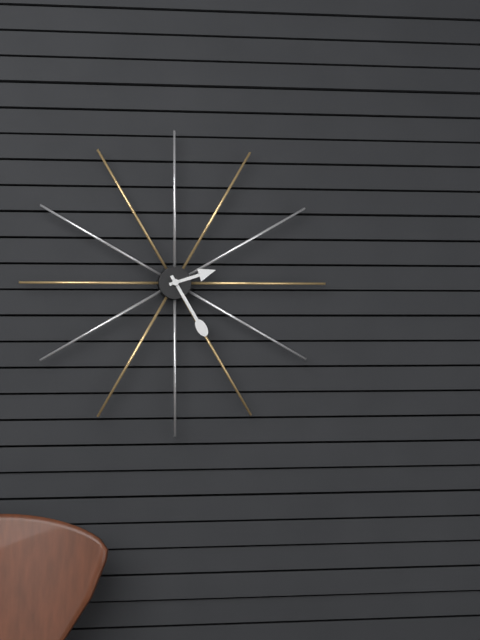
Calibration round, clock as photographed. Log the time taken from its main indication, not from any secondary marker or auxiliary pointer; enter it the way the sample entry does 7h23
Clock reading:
2h25
